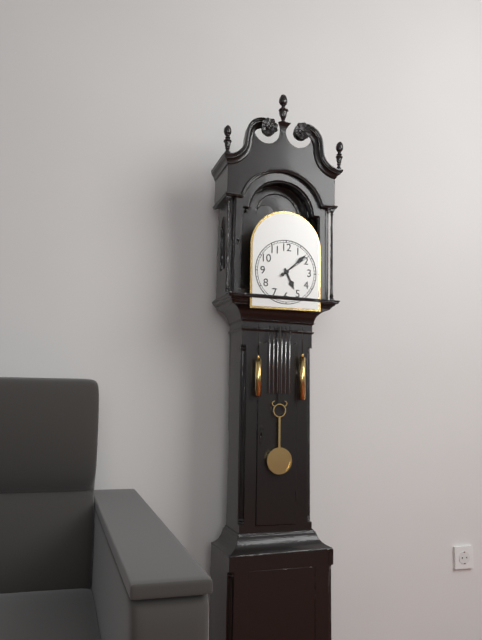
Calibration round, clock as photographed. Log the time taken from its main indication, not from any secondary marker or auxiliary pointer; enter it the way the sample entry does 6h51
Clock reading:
5h08
